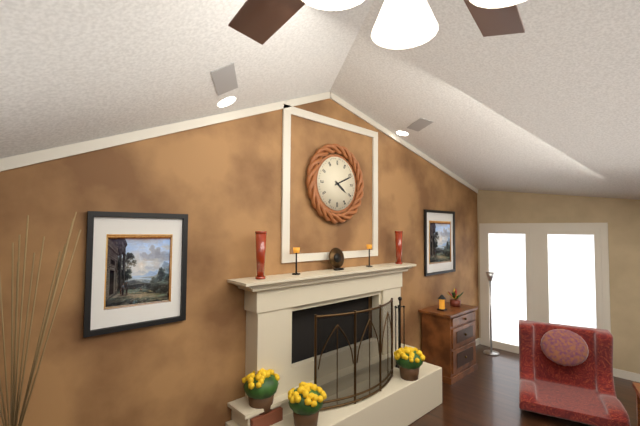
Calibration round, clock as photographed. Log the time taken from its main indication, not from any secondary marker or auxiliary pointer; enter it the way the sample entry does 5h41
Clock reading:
4h11
